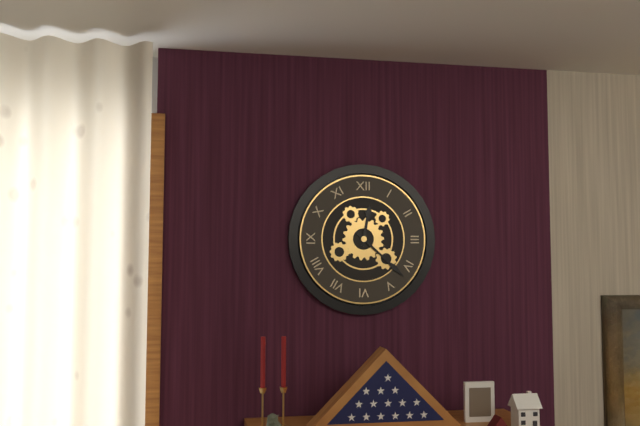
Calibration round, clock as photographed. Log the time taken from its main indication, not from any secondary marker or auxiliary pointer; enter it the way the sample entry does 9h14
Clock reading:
12h22
